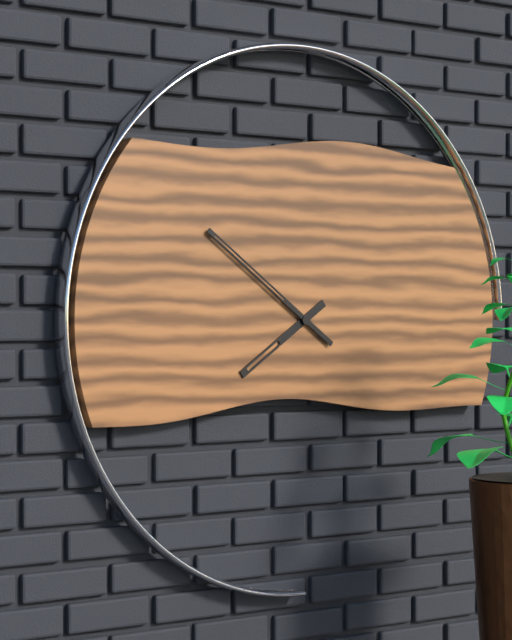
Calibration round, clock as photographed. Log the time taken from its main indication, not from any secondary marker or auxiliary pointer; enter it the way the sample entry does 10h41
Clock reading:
7h51
